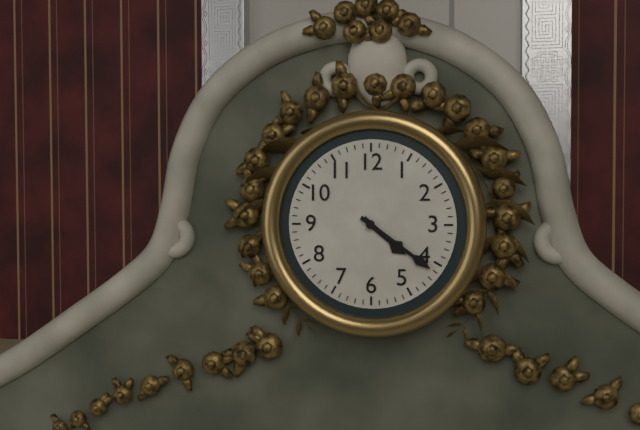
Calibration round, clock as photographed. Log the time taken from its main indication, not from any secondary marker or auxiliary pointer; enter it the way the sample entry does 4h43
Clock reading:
4h21
